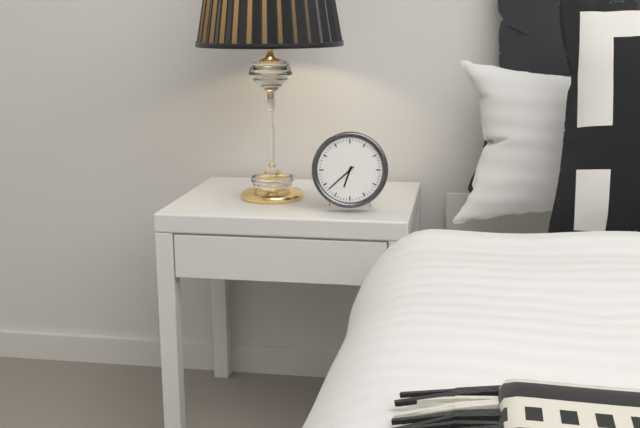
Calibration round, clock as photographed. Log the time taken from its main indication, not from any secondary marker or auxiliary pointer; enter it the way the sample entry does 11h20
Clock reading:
6h38
